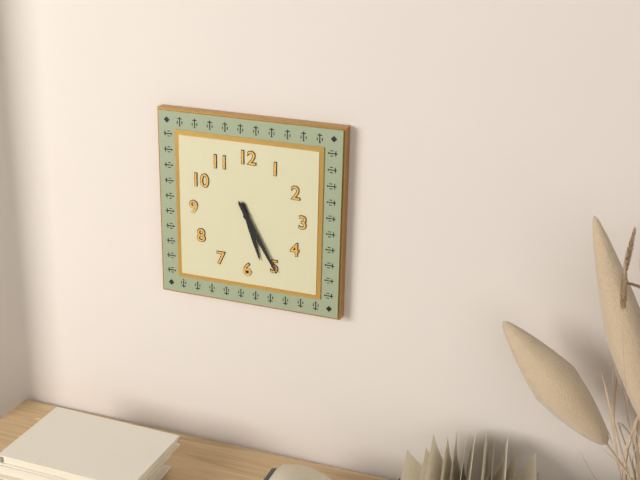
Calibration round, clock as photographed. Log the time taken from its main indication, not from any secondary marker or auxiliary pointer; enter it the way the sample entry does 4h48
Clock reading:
5h25
